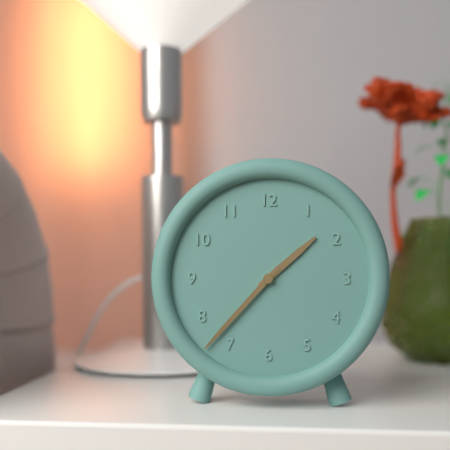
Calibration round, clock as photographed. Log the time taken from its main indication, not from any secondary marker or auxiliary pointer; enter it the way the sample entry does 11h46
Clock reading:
1h37
